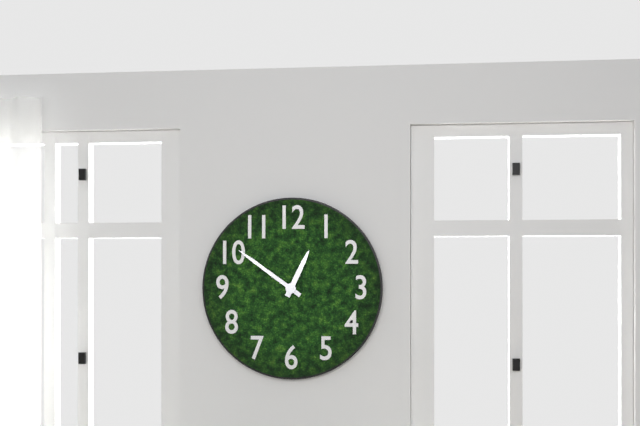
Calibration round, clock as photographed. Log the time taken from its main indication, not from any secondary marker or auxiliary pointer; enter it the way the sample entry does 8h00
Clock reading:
12h51
